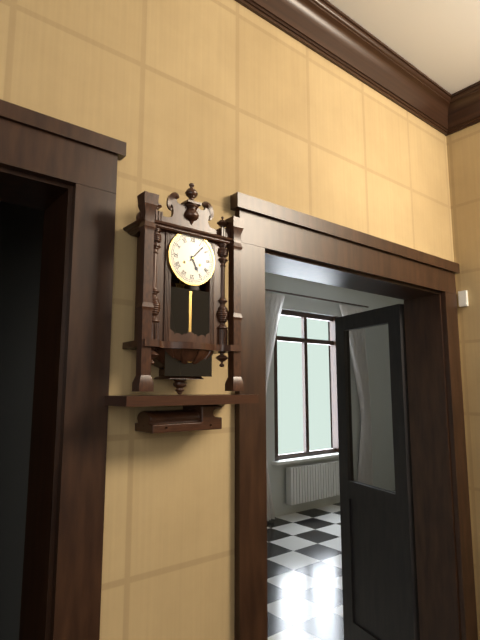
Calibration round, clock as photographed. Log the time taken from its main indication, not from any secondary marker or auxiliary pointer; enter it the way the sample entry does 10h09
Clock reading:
5h07
